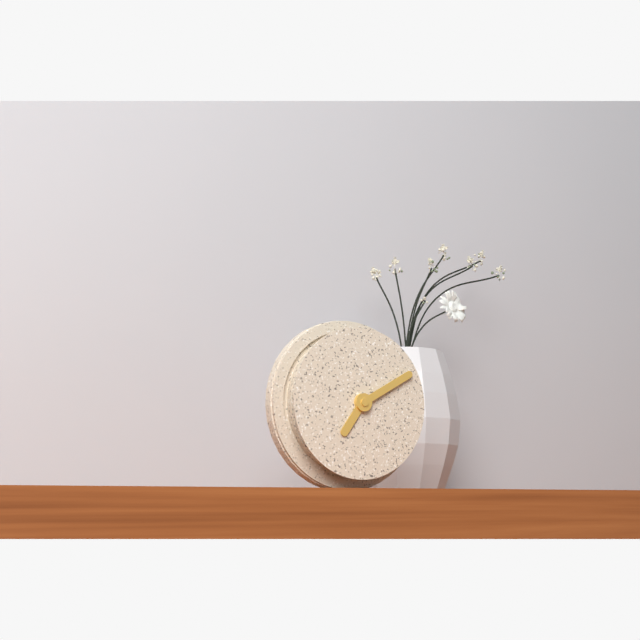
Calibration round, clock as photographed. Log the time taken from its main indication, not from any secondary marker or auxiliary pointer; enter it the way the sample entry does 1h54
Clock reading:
7h10
